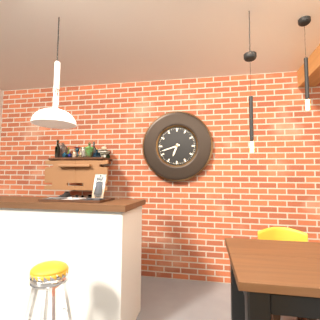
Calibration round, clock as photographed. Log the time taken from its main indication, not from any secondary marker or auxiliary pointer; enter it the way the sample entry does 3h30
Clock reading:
6h42
